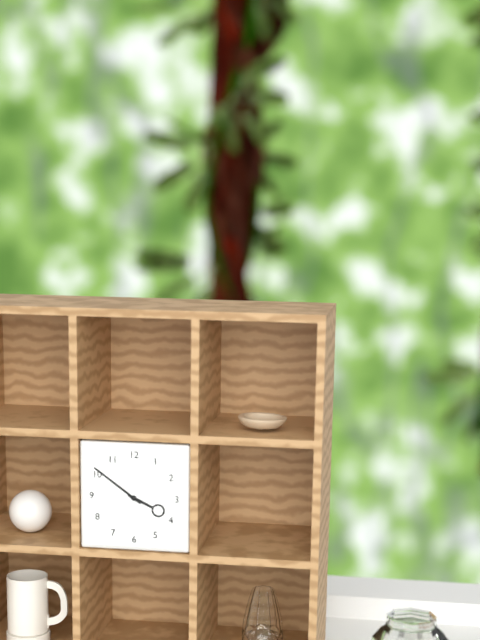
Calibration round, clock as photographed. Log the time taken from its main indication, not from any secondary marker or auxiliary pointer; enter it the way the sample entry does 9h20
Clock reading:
3h51
